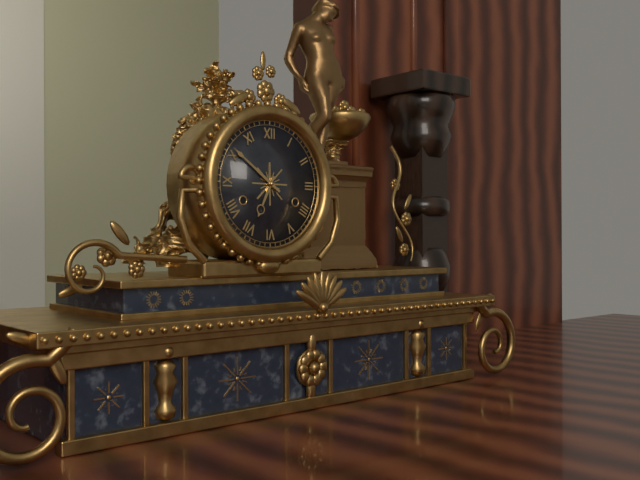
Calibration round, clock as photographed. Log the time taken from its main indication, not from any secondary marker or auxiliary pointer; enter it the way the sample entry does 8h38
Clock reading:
6h51
